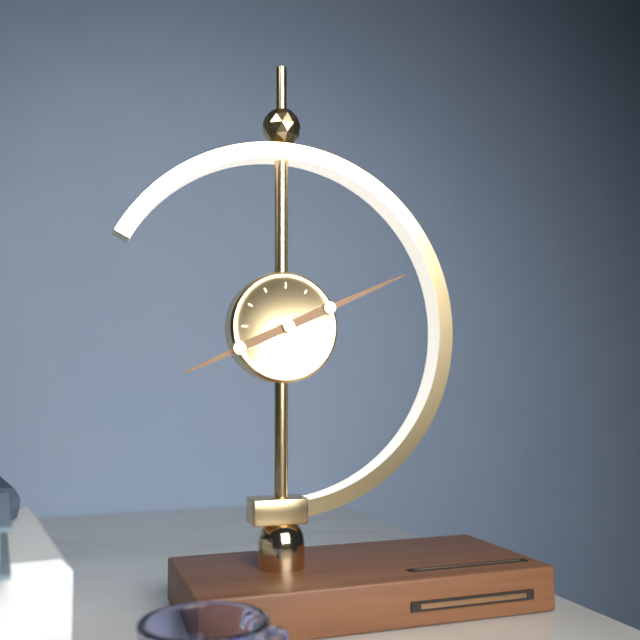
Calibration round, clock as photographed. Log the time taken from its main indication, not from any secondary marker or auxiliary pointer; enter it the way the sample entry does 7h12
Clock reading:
8h11
